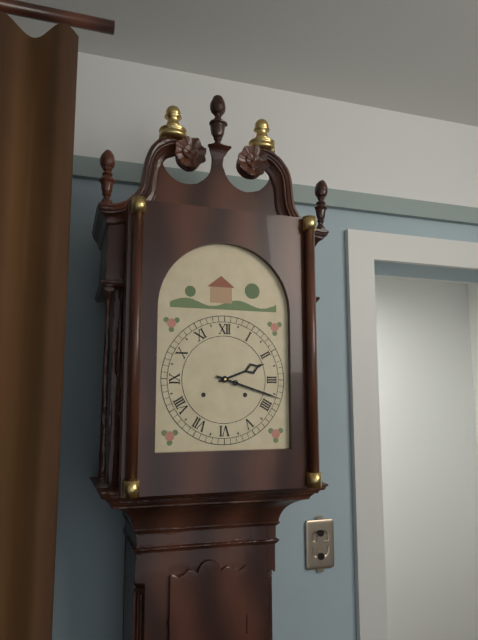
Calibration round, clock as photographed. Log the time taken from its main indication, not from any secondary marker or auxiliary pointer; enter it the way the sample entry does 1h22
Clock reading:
2h18
